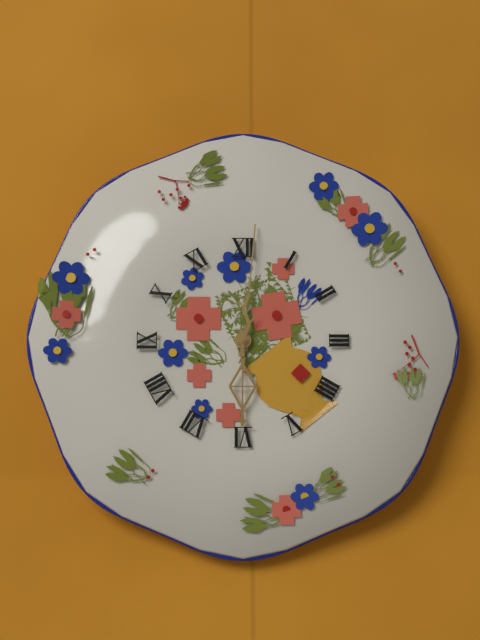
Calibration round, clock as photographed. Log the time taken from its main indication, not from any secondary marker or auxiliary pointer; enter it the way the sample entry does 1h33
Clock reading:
6h01
